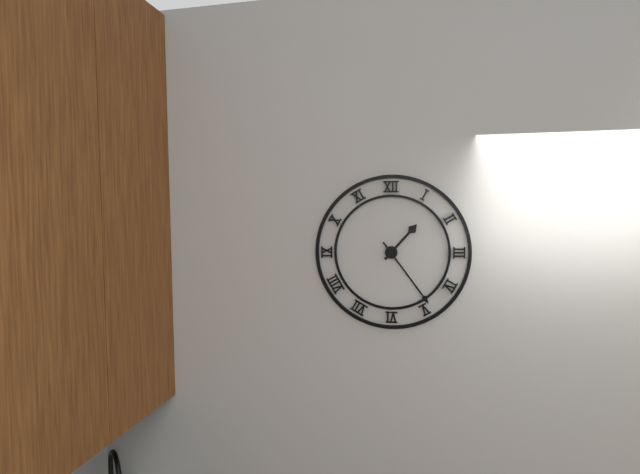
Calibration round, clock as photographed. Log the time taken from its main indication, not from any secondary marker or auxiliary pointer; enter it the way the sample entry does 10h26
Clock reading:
1h24
